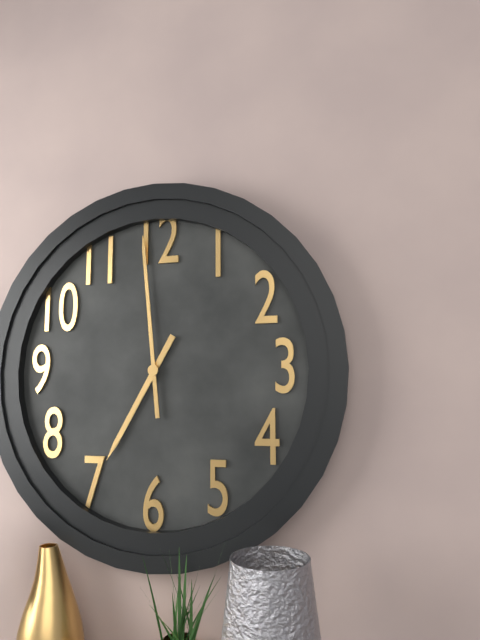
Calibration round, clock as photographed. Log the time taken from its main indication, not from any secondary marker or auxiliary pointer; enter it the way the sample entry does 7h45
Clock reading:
6h59
